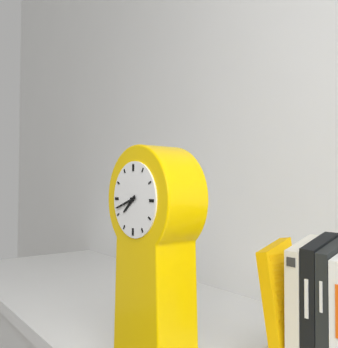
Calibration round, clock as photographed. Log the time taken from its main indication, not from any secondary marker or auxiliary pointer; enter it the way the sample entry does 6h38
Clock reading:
7h42
